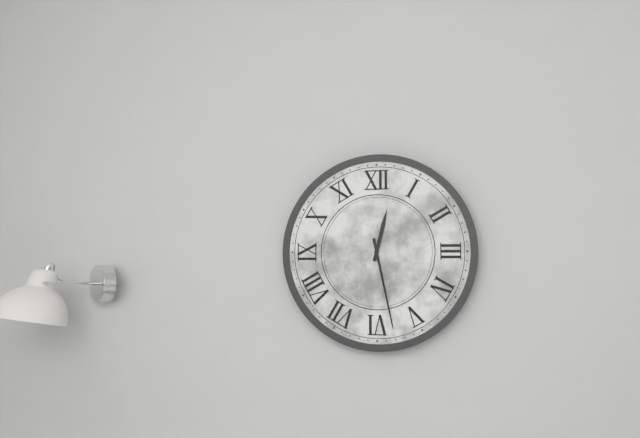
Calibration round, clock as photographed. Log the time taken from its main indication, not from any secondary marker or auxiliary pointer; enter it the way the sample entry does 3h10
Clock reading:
12h28
